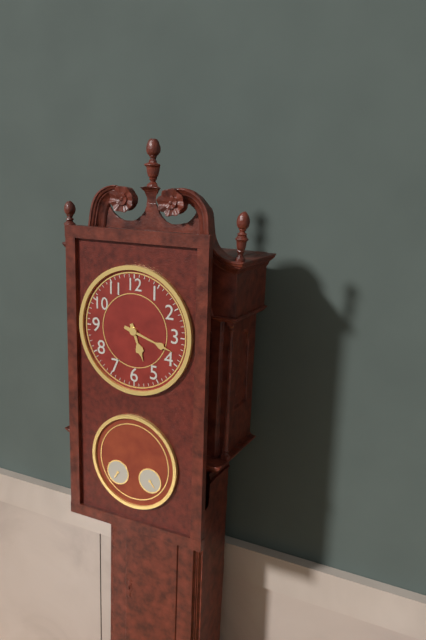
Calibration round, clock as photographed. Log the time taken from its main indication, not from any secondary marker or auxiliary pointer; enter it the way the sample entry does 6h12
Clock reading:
5h18
